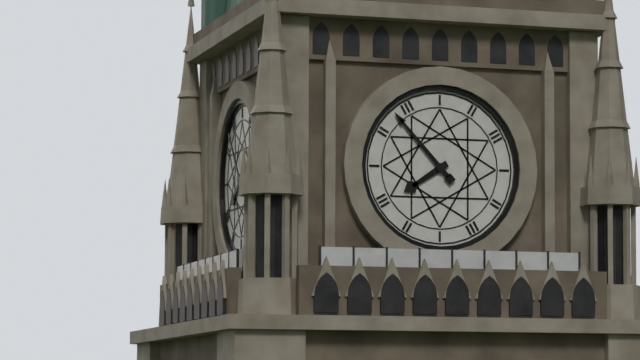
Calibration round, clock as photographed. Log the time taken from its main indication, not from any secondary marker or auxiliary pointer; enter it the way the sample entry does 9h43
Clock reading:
7h53
